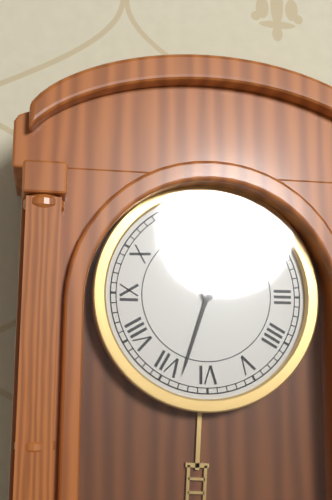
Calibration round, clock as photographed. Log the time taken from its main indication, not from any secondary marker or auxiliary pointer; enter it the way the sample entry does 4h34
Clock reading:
12h33
